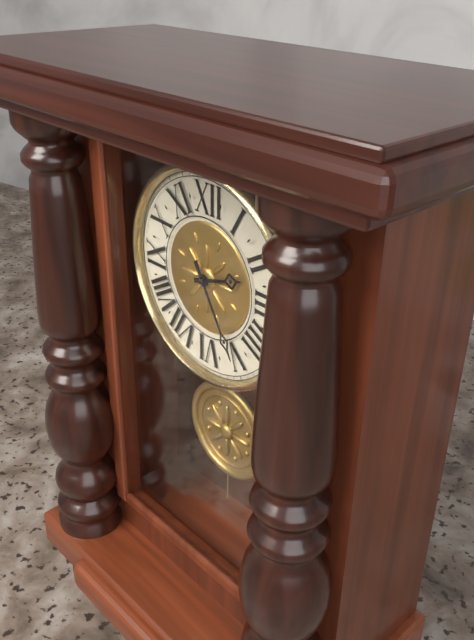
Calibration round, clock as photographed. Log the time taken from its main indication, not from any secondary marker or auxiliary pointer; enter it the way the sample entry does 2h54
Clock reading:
2h25
